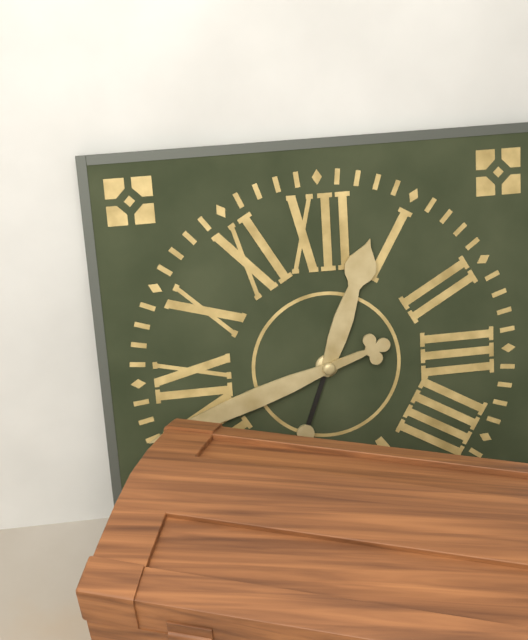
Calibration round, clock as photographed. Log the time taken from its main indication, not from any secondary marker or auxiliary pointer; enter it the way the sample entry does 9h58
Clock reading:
12h42
